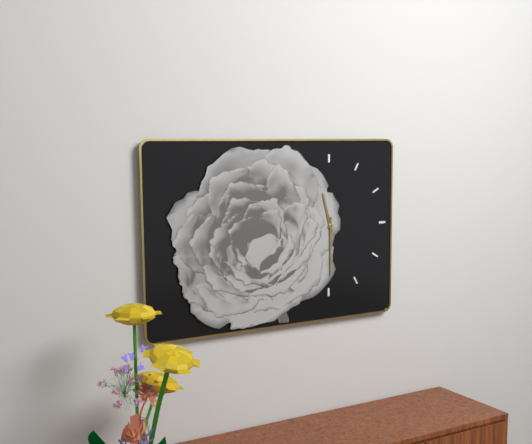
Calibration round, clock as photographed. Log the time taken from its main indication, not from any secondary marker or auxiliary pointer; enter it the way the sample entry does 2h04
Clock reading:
11h30
